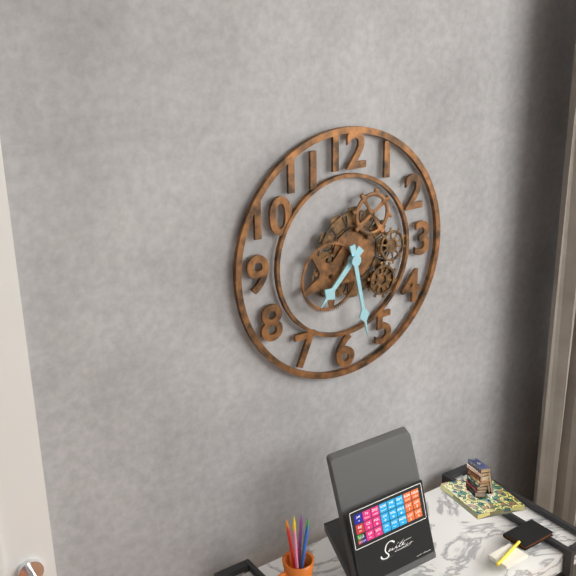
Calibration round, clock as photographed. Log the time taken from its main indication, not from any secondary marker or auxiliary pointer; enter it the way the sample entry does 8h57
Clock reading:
7h28
